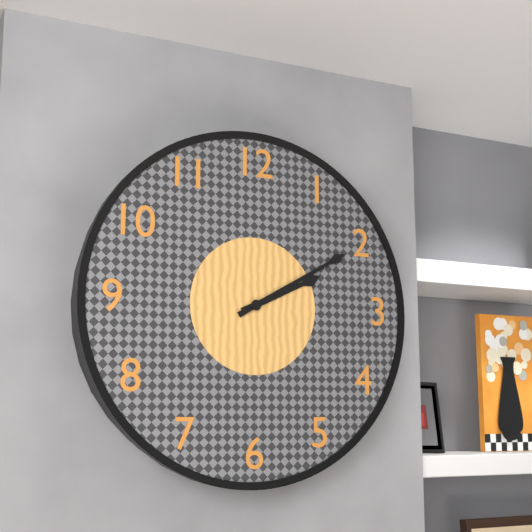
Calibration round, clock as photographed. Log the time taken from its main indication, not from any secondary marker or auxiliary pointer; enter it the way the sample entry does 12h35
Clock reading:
2h10
